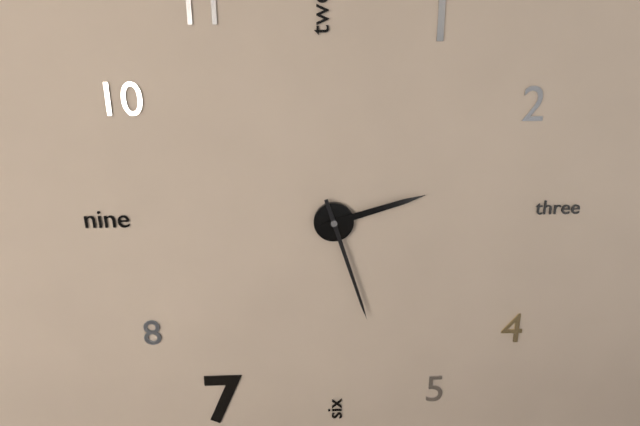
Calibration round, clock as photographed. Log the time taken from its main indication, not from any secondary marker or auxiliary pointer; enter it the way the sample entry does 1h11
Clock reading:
2h27
